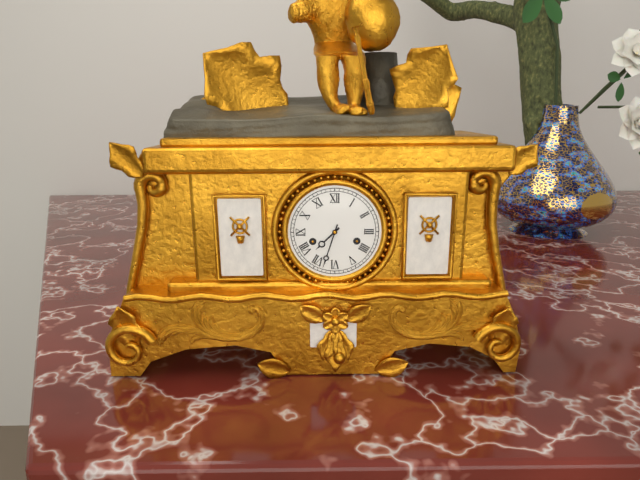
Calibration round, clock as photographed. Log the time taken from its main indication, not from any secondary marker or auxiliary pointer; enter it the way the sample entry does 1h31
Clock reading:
7h33
